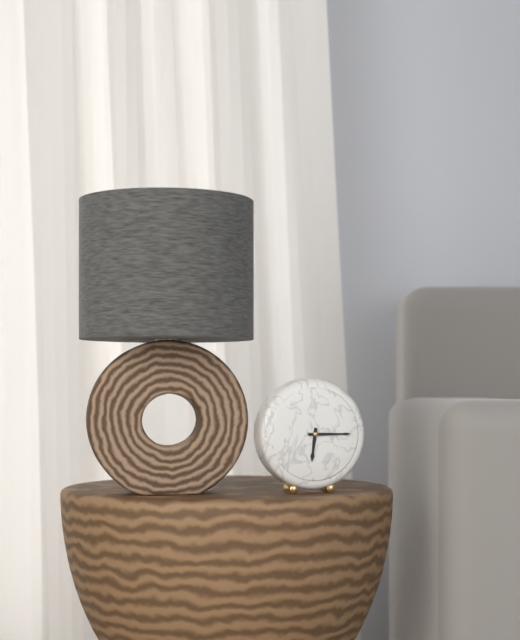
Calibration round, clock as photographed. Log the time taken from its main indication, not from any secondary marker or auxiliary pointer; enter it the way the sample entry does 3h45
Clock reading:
6h15
